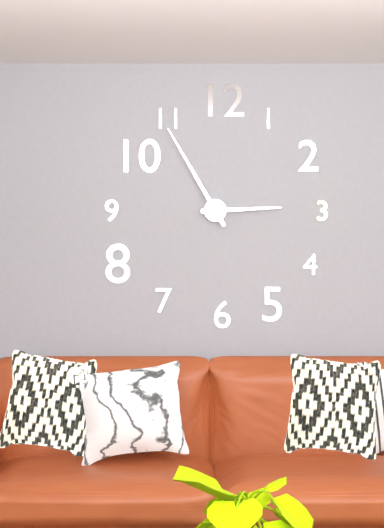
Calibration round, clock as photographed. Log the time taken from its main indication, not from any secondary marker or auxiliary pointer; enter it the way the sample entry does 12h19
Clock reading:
2h55
